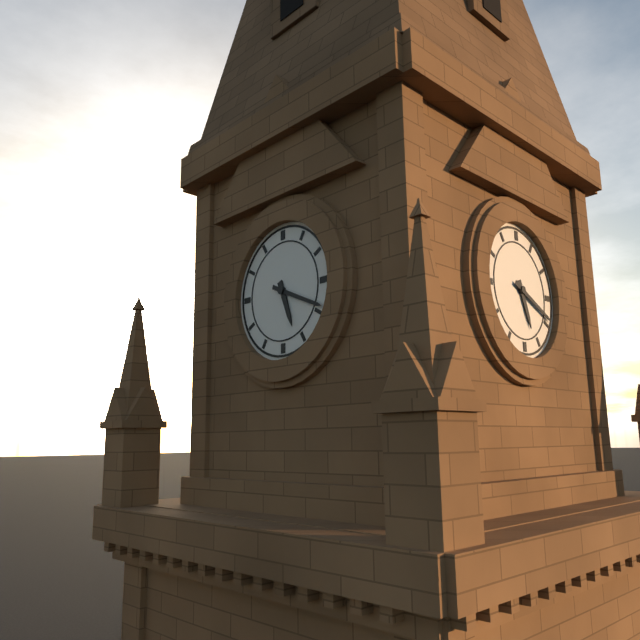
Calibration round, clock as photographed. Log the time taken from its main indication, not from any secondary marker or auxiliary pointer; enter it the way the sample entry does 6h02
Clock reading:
5h19
